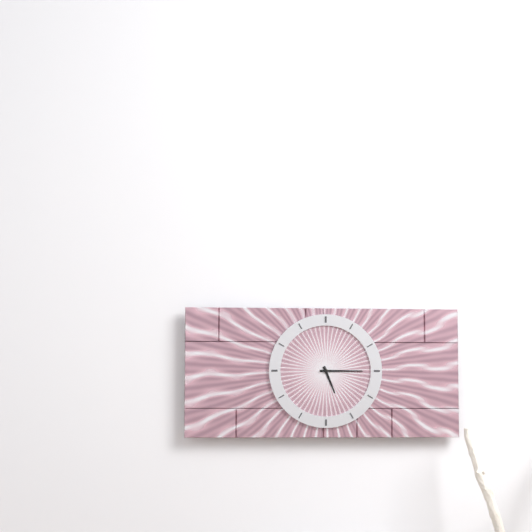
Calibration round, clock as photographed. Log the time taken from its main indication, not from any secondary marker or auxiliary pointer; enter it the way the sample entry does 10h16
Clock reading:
5h15
